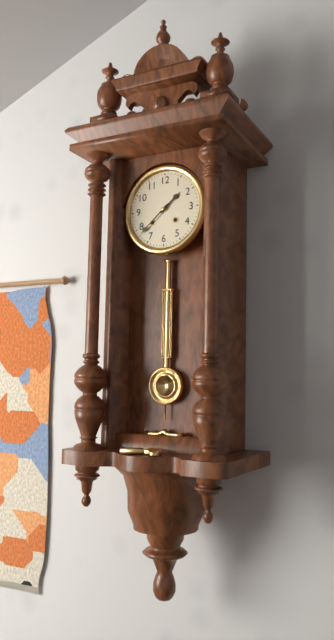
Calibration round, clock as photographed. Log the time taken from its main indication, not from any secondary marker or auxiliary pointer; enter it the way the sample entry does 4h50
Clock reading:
1h38
